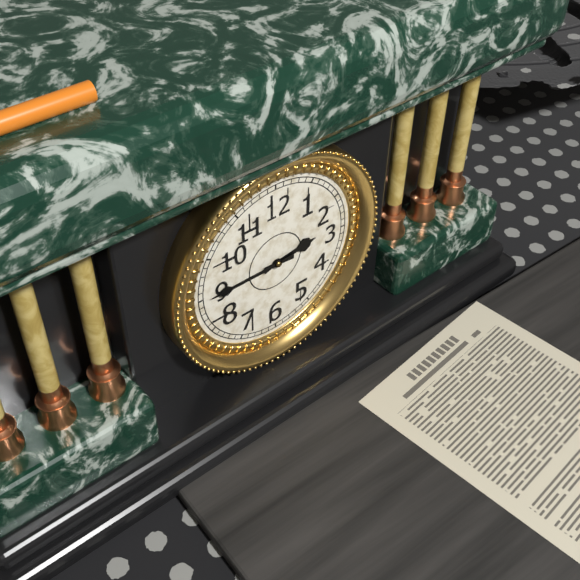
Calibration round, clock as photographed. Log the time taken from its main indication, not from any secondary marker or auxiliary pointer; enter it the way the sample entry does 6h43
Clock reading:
2h45
